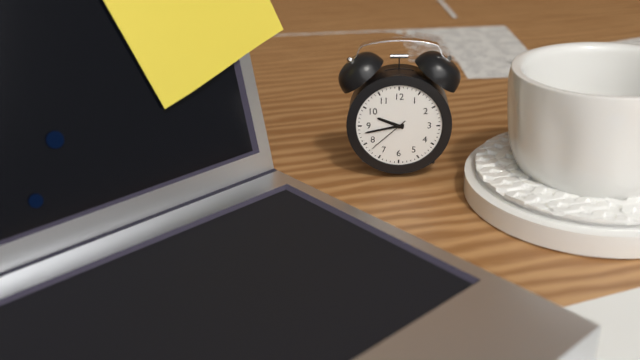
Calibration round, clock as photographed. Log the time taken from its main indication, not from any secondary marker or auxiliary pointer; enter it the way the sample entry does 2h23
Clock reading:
9h43
